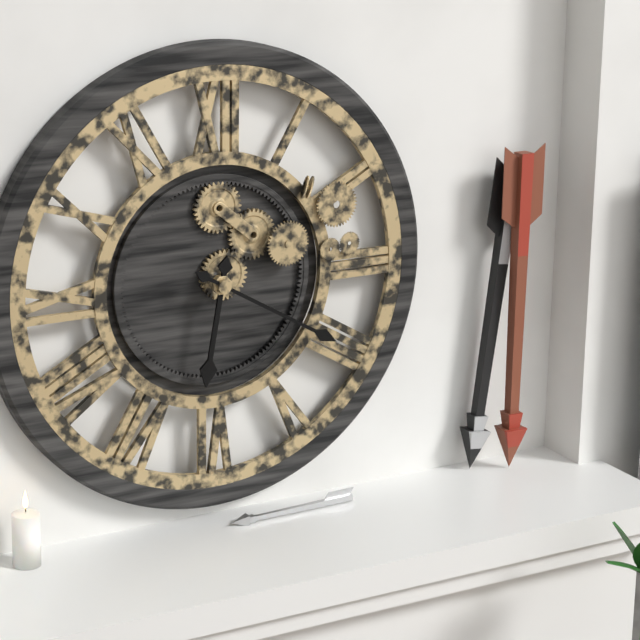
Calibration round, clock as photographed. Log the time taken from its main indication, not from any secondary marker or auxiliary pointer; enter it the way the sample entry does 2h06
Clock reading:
6h20
